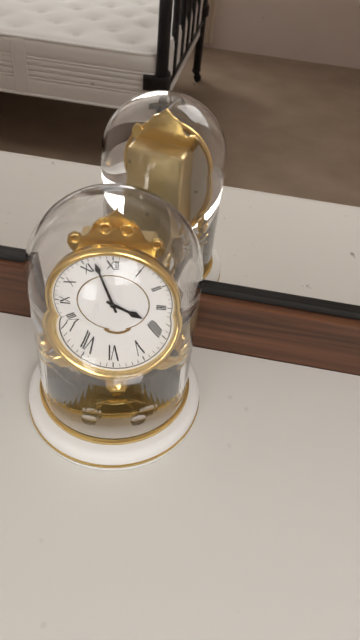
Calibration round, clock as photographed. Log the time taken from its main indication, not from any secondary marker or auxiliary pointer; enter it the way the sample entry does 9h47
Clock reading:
3h57
